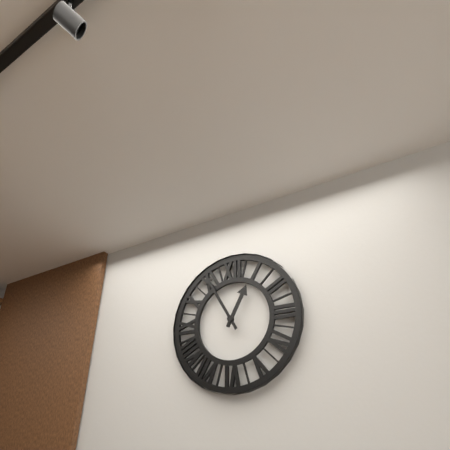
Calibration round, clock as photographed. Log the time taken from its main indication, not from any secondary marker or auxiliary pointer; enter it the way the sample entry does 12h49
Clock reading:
12h55
